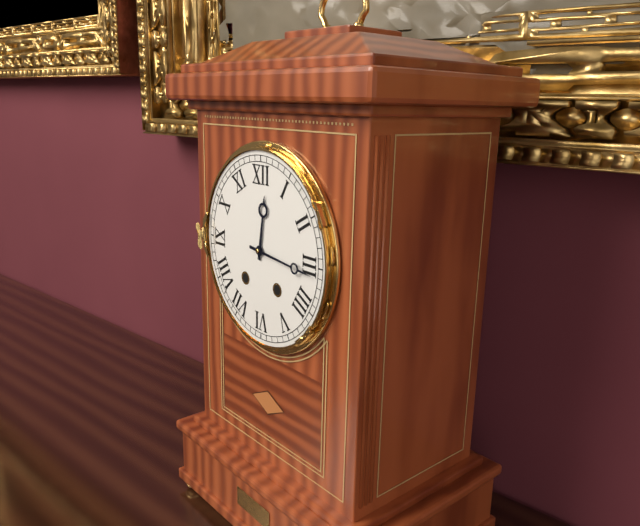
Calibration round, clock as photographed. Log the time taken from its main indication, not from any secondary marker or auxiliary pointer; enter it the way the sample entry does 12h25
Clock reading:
12h16
